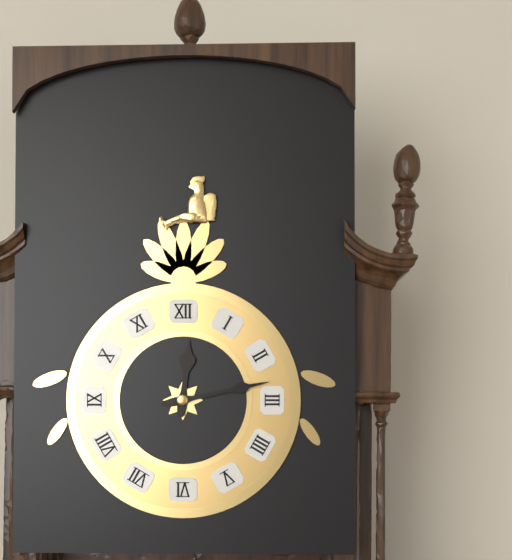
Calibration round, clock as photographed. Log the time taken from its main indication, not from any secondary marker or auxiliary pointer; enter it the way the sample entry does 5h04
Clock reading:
12h13
